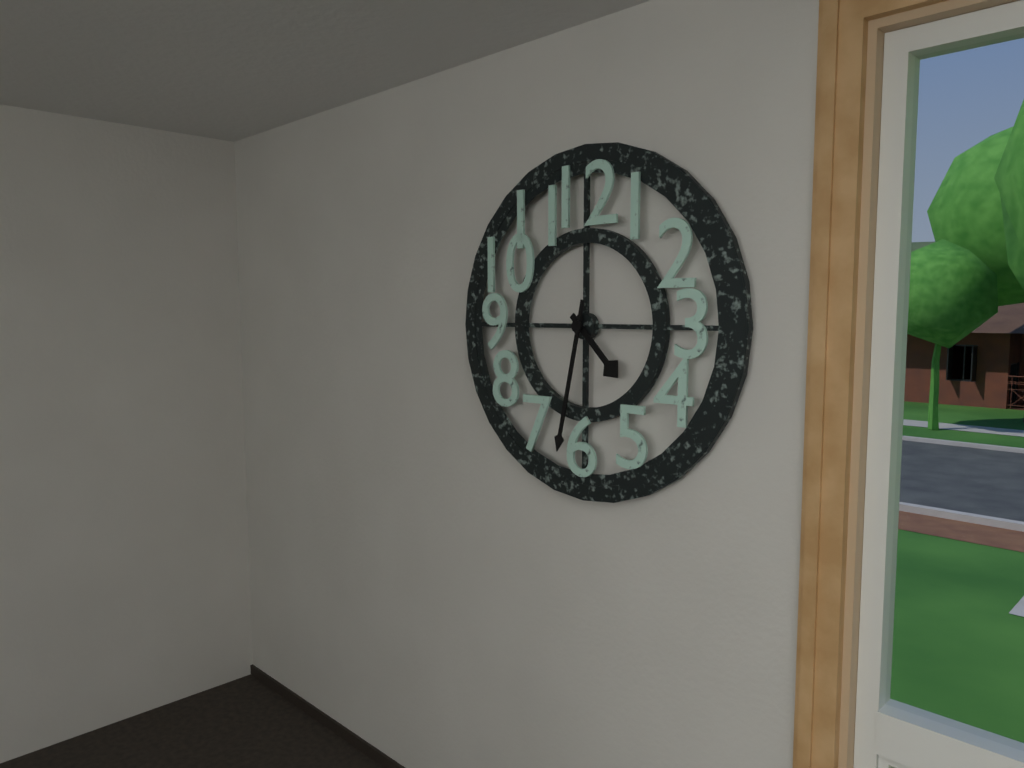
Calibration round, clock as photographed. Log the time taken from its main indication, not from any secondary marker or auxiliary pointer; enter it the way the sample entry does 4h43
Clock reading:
4h32
